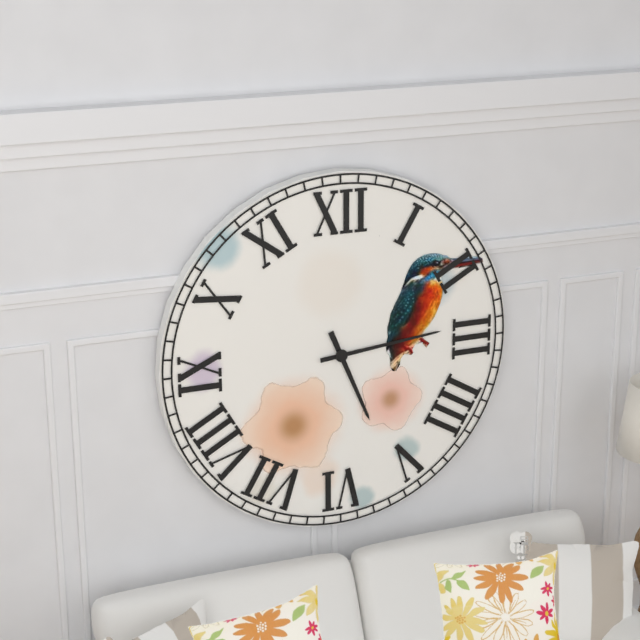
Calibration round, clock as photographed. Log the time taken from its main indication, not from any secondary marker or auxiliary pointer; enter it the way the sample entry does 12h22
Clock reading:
5h14
